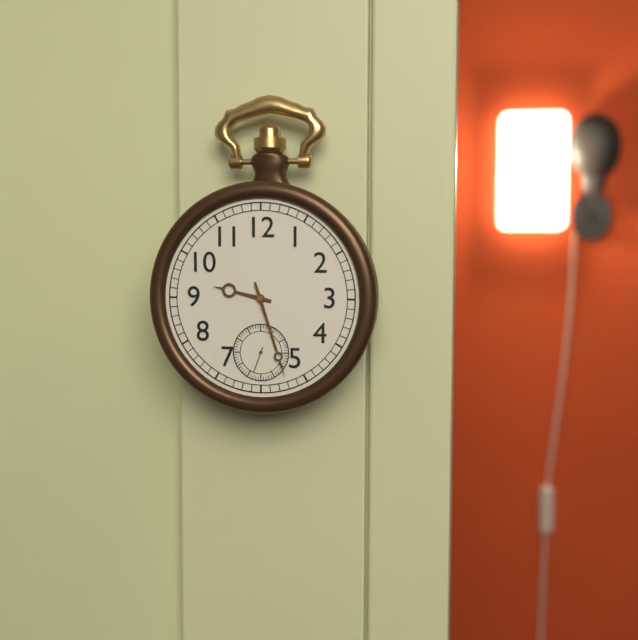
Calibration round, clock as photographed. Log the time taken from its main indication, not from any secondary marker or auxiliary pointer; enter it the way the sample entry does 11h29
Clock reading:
9h27
